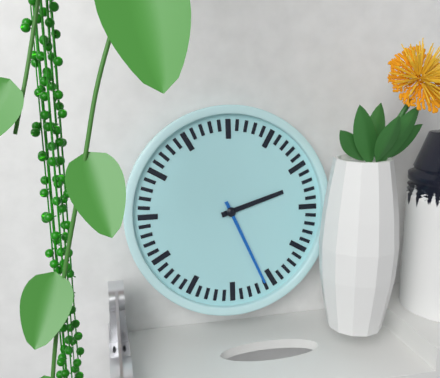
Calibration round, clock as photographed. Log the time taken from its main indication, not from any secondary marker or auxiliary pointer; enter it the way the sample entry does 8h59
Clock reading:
2h26
